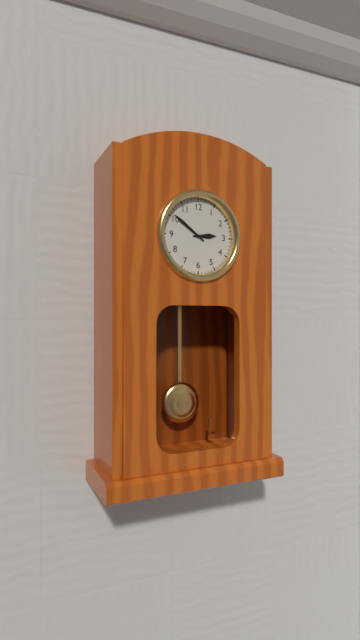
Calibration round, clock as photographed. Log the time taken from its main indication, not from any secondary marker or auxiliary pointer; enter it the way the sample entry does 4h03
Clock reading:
2h51
